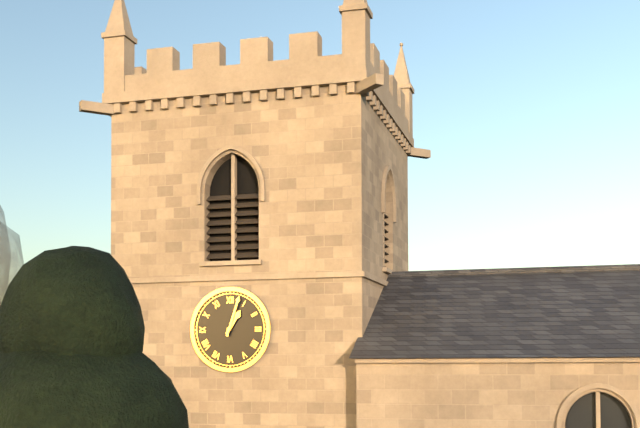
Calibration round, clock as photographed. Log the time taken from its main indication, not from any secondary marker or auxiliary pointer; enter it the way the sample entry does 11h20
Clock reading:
1h03
